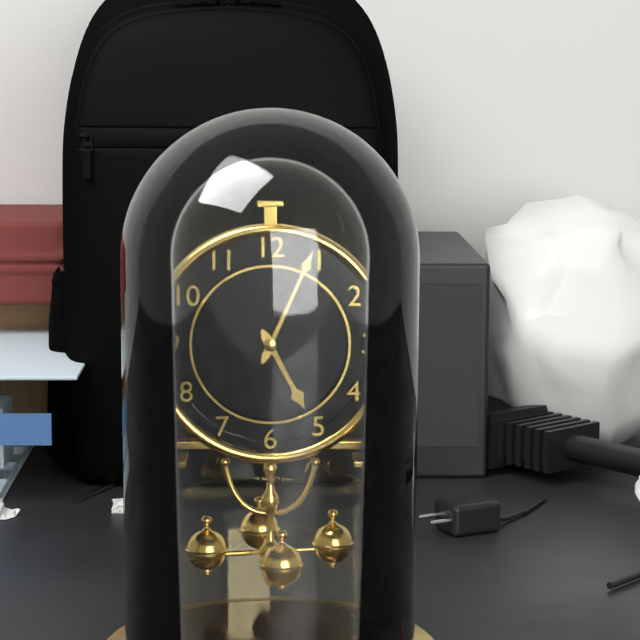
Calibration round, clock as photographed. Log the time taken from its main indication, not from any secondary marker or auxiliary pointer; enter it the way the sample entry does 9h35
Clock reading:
5h04
